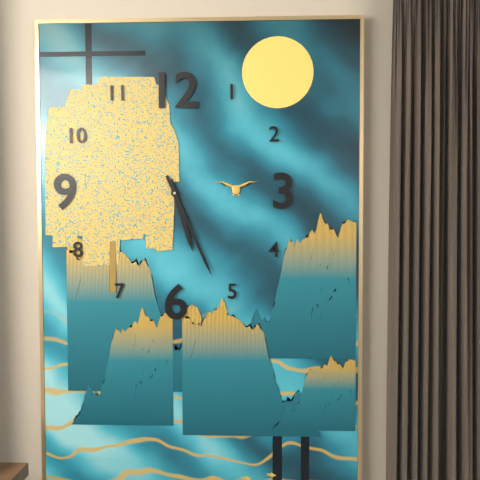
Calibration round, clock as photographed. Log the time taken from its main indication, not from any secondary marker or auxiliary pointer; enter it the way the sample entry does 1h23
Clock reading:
5h26
